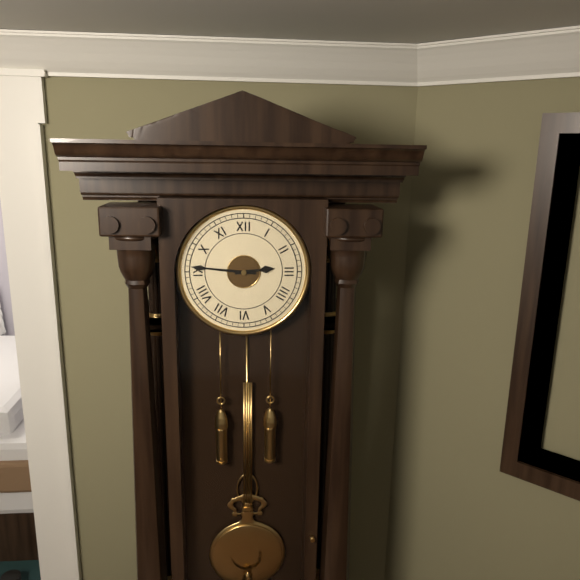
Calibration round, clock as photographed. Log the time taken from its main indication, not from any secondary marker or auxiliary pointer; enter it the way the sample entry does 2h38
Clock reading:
2h46
